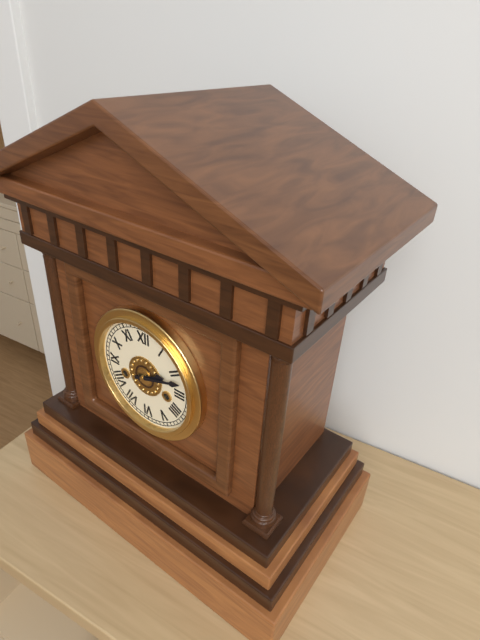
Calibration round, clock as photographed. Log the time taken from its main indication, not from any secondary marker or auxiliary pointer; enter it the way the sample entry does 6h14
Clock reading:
2h12
